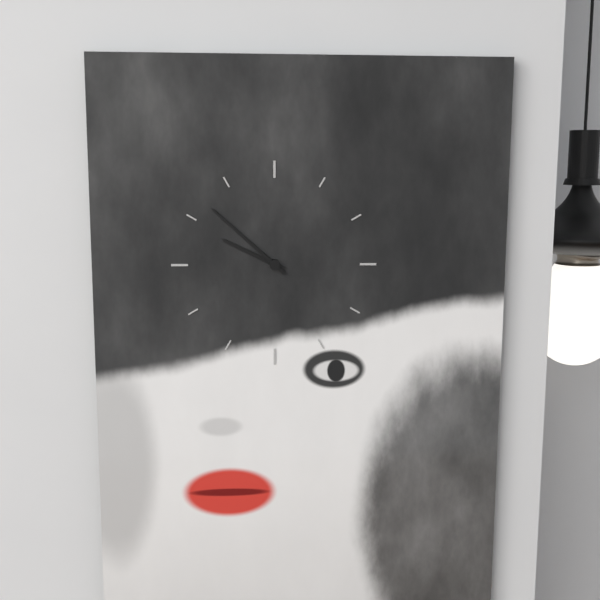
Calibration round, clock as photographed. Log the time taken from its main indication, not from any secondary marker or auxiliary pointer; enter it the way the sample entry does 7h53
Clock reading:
9h52
